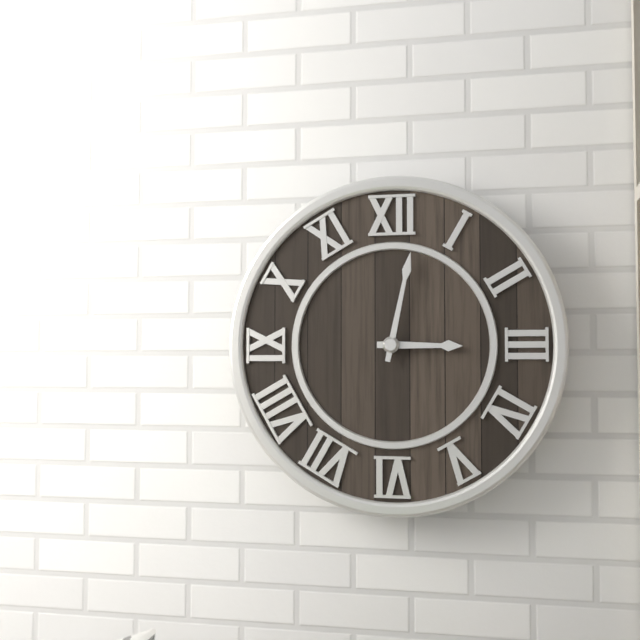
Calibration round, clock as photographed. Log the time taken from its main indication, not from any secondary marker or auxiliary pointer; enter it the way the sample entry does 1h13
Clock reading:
3h02
